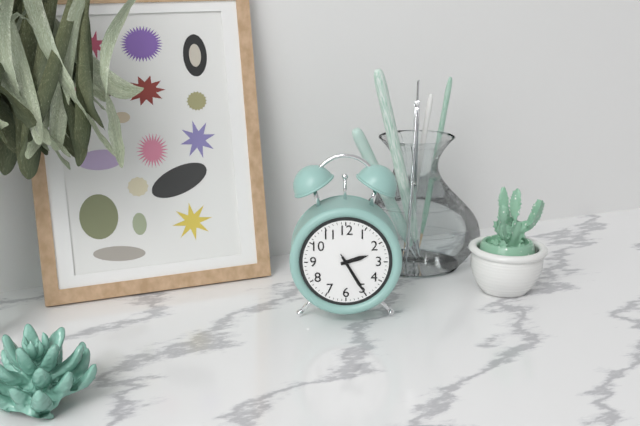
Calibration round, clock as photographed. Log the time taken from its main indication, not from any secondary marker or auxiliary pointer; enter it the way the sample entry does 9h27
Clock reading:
2h25
